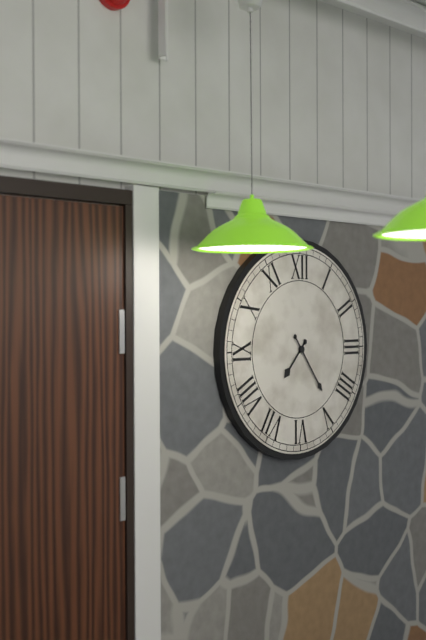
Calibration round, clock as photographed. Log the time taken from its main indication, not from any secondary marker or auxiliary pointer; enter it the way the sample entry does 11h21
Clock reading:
7h24
